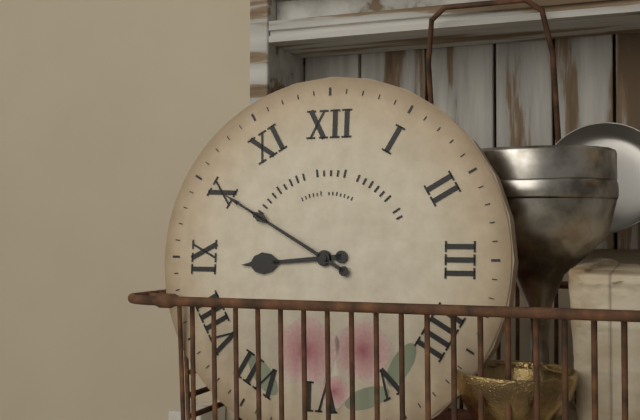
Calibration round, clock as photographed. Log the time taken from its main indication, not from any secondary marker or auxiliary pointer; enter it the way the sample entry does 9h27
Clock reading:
8h50
